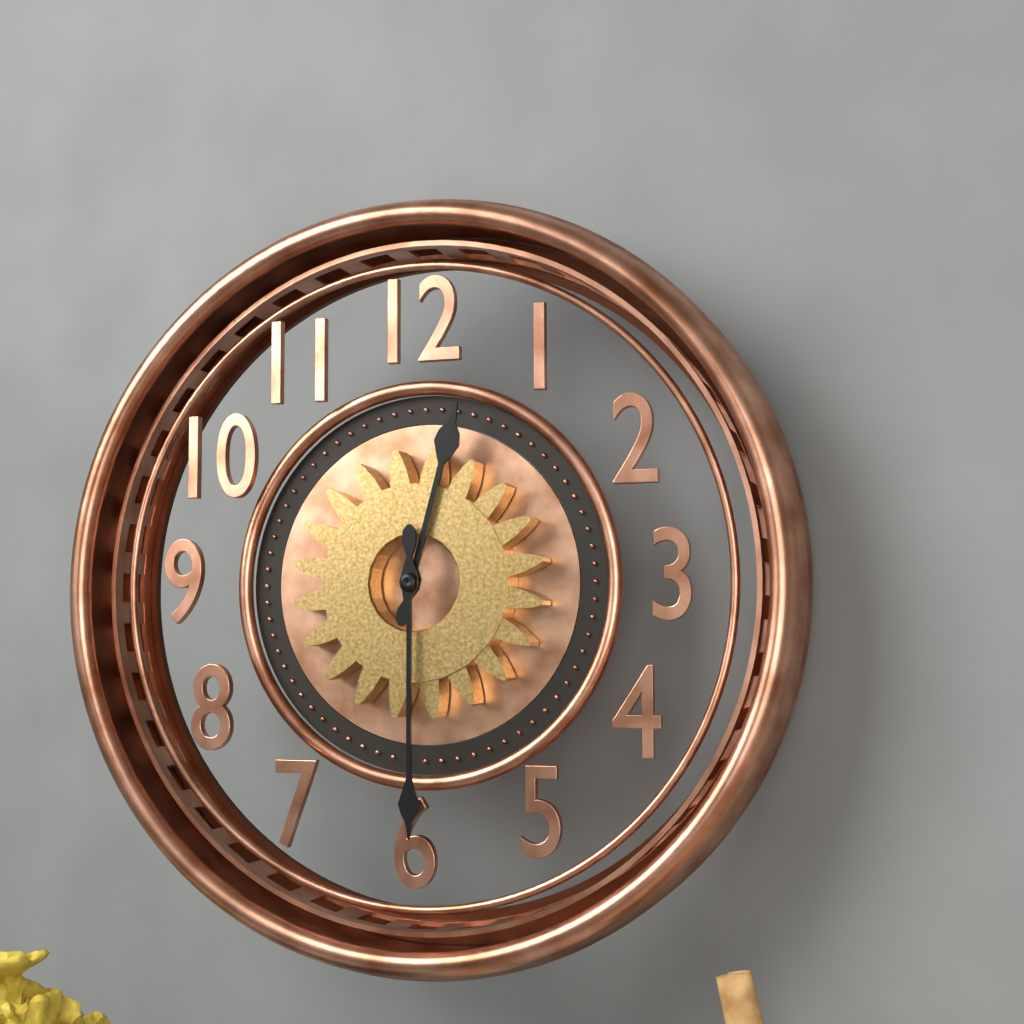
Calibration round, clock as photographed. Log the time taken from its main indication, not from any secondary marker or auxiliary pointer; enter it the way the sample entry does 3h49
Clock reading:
12h30
